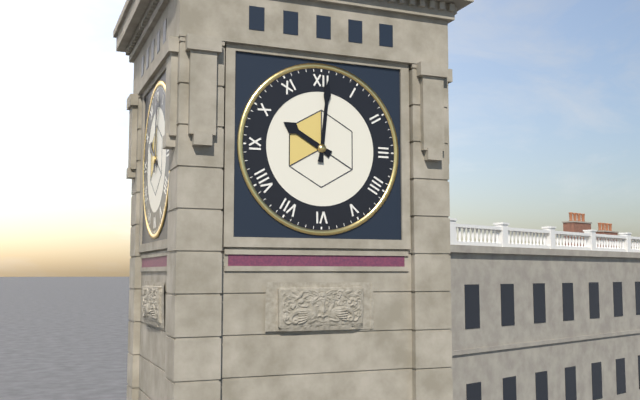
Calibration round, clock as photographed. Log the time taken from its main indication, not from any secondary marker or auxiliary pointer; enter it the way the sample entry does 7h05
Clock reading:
10h01
